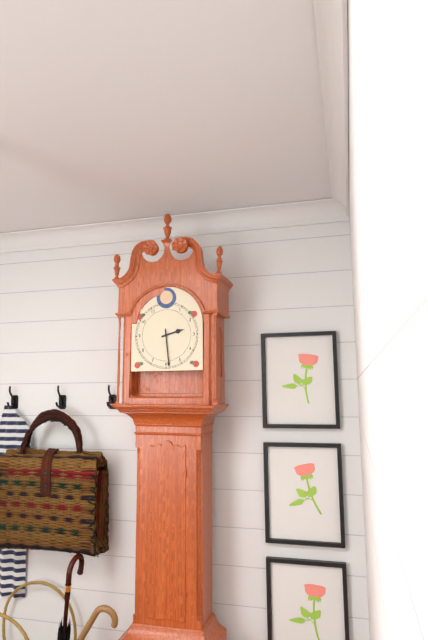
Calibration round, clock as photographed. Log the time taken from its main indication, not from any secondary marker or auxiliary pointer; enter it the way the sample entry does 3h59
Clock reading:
2h29
